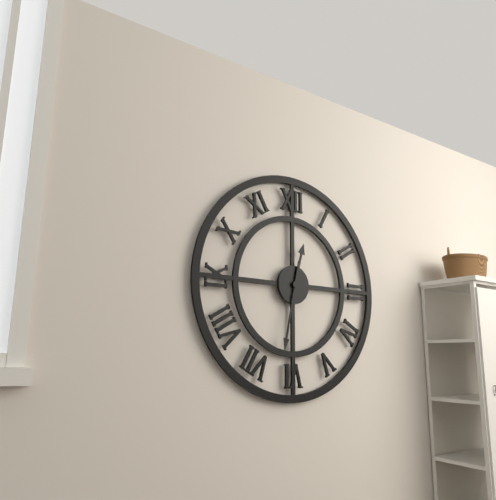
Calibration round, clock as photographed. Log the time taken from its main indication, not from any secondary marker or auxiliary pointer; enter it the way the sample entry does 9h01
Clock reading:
12h32
